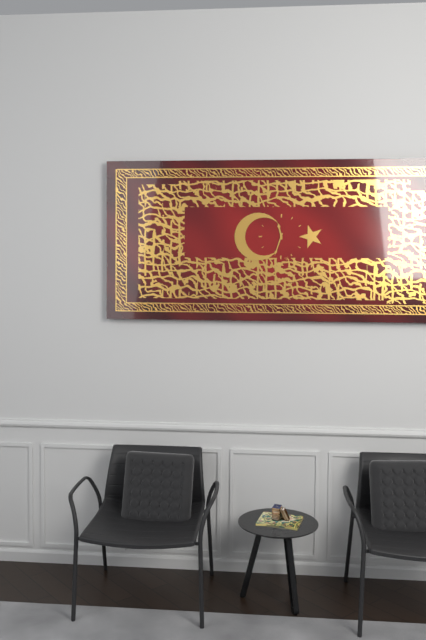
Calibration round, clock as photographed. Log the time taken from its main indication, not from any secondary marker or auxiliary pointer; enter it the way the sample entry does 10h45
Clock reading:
11h33
